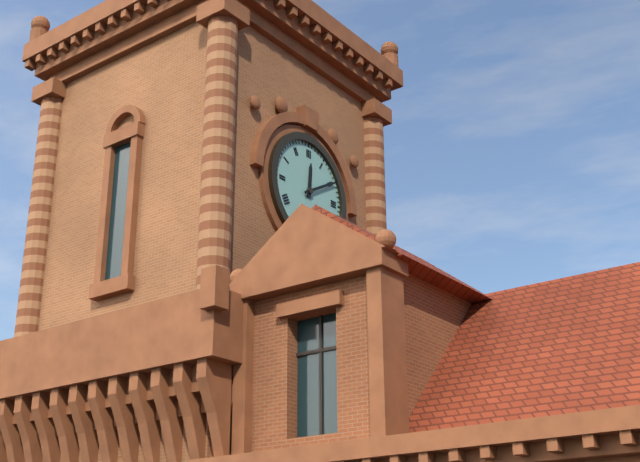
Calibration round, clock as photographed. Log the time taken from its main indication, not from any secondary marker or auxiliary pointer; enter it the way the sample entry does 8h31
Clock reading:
12h10
